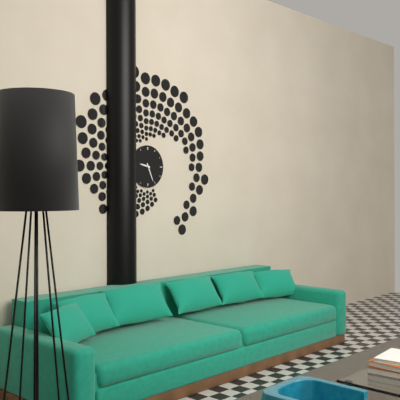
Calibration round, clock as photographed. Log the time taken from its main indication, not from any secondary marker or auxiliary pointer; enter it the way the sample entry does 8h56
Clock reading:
9h26
